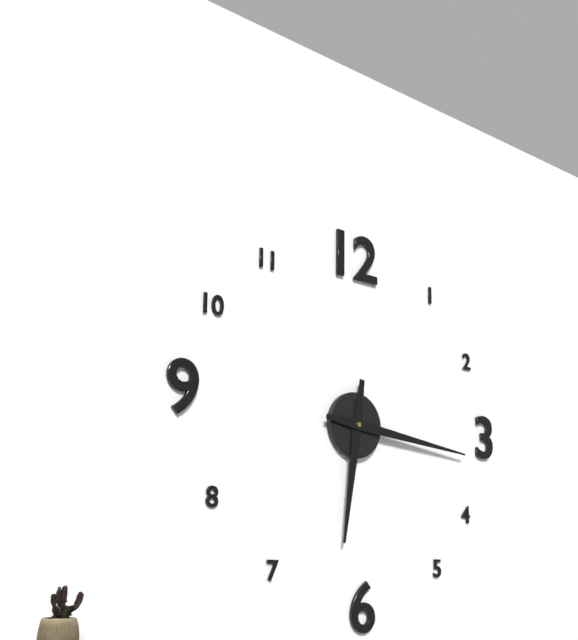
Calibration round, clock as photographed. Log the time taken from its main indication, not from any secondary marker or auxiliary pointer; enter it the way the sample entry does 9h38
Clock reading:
6h16
